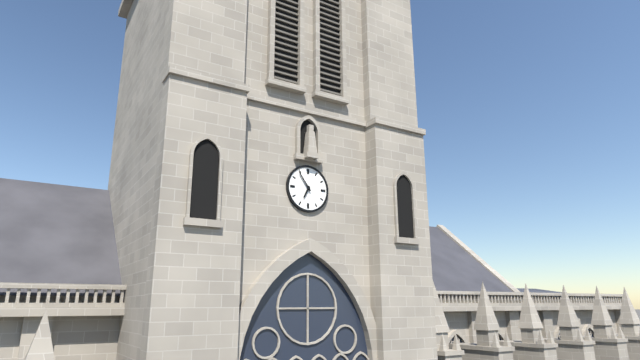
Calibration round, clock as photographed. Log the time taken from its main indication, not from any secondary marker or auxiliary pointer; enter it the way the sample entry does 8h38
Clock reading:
6h54
